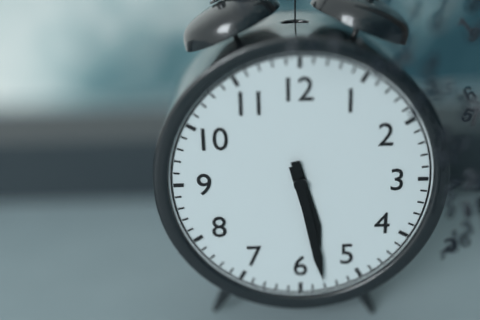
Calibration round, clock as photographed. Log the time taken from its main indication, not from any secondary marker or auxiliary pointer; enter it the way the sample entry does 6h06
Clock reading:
5h28
